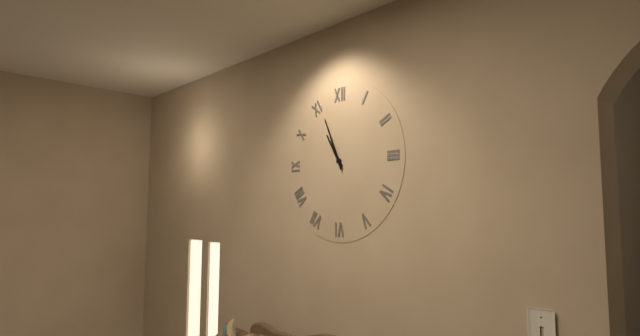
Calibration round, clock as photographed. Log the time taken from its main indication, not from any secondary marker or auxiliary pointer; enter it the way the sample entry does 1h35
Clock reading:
10h56
